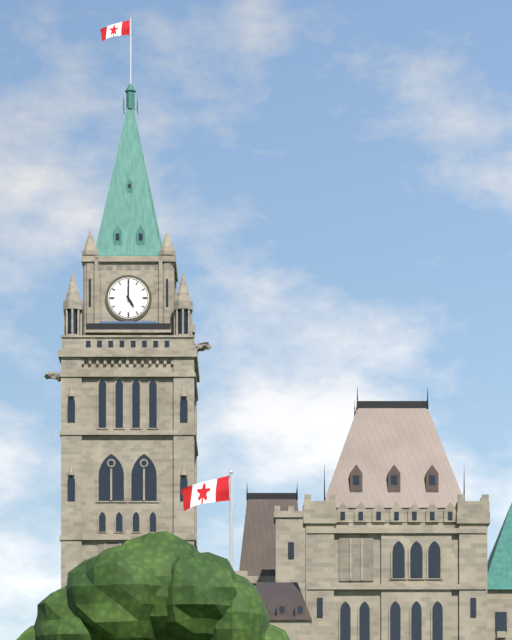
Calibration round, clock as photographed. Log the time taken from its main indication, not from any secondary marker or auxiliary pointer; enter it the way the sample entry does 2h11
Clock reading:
5h00
